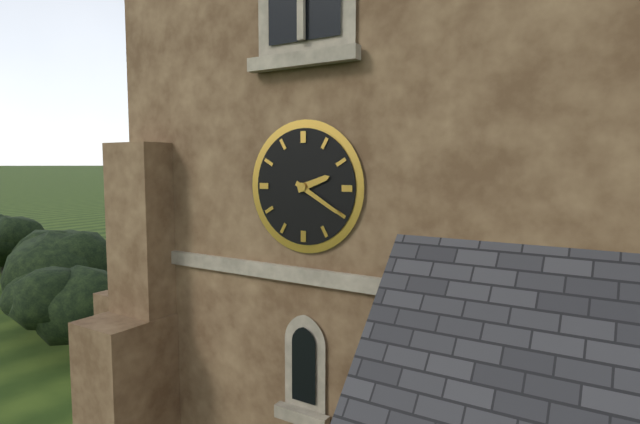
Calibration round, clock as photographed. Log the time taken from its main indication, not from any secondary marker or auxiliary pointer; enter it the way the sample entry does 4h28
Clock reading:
2h20
